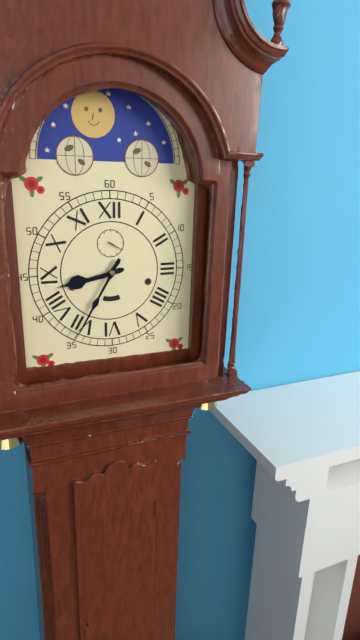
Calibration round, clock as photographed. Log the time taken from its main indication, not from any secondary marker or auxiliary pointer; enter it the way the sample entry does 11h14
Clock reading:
8h35
